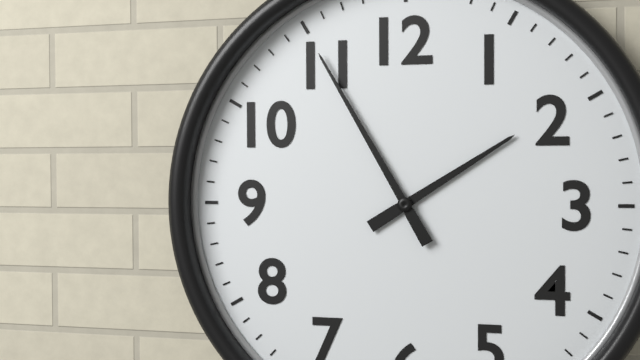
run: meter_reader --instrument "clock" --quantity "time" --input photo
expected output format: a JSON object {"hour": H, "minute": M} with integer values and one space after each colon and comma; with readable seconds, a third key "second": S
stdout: {"hour": 1, "minute": 55}
